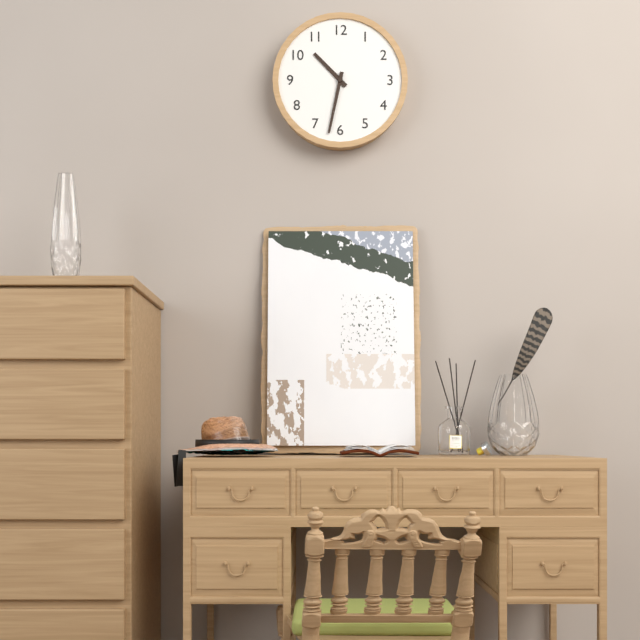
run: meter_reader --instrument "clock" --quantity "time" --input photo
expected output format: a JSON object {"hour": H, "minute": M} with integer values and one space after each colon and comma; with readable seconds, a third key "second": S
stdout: {"hour": 10, "minute": 32}
